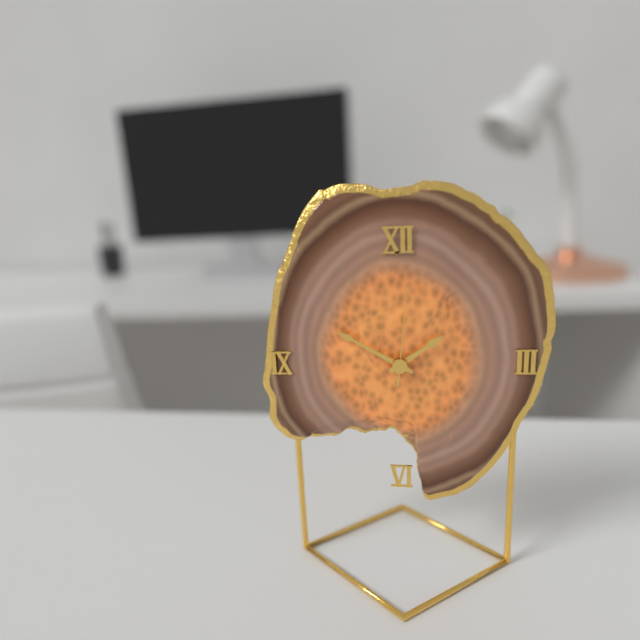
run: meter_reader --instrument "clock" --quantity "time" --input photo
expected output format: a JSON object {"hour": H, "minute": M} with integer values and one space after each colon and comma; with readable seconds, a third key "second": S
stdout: {"hour": 1, "minute": 50, "second": 1}
